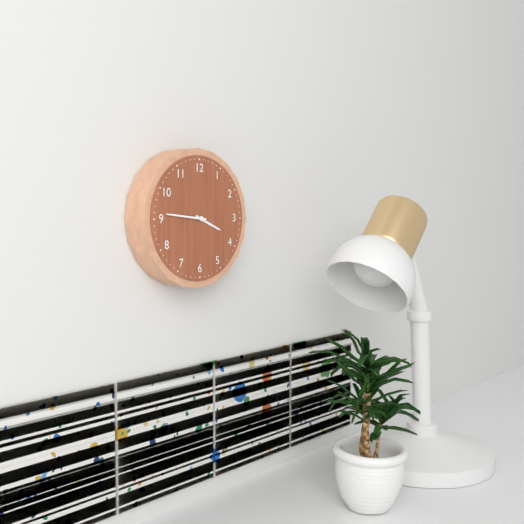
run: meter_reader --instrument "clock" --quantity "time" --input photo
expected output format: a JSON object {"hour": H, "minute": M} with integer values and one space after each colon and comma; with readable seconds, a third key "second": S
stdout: {"hour": 3, "minute": 46}
